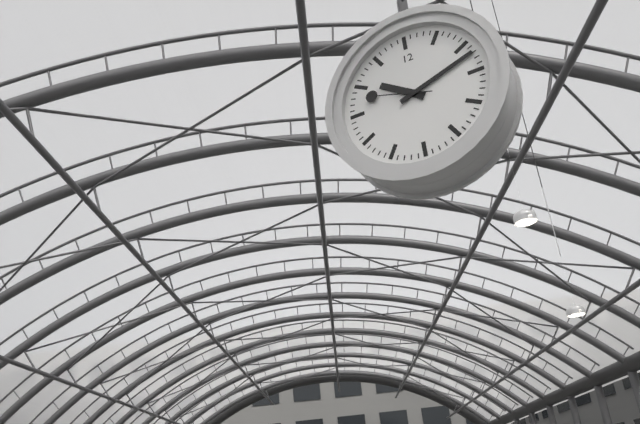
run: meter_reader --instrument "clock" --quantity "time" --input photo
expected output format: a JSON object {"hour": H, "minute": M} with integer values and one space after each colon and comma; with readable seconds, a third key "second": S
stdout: {"hour": 10, "minute": 12, "second": 48}
